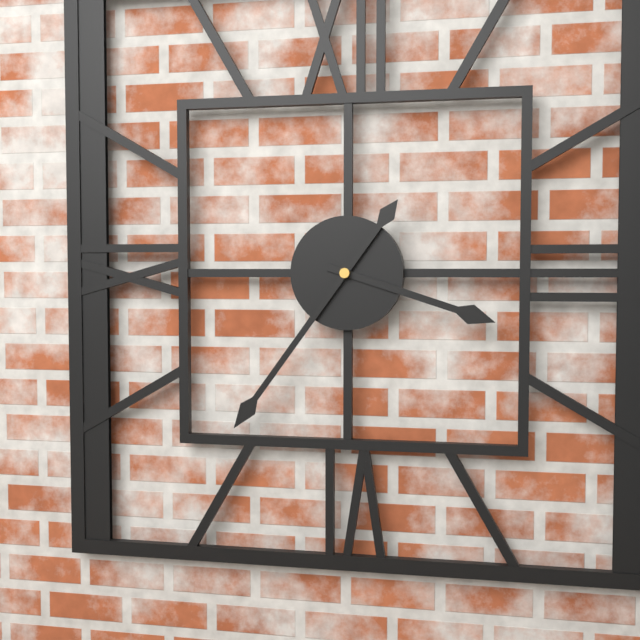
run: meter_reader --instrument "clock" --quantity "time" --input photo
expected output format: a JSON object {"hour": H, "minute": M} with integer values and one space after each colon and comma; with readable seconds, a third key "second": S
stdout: {"hour": 3, "minute": 36}
